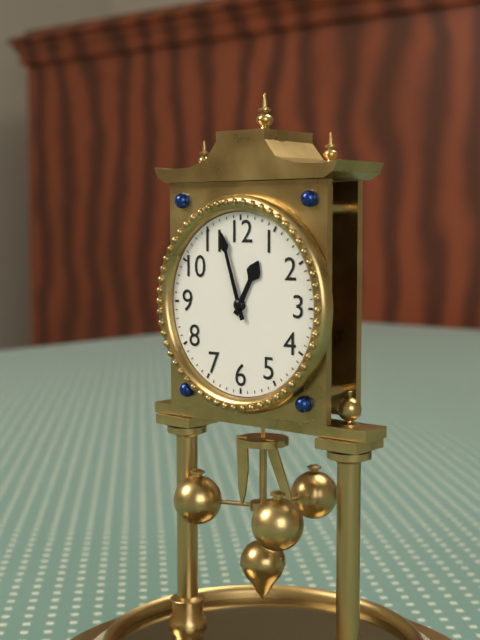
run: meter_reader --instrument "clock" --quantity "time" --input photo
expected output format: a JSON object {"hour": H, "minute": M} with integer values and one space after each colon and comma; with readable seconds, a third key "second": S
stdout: {"hour": 12, "minute": 57}
